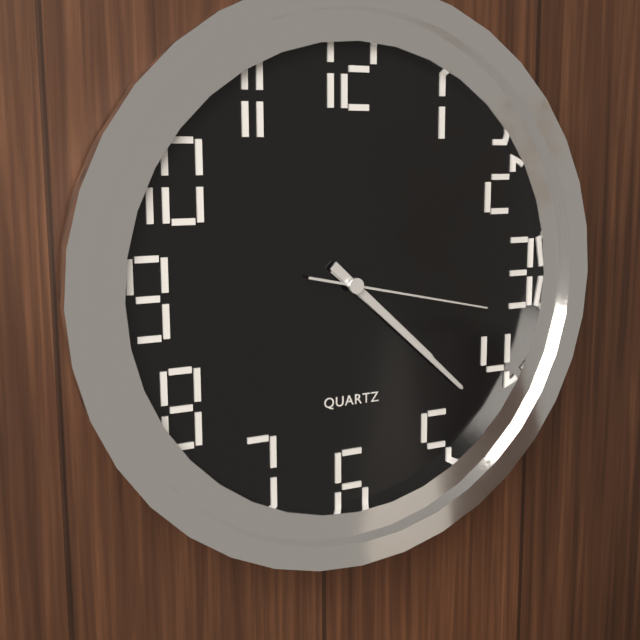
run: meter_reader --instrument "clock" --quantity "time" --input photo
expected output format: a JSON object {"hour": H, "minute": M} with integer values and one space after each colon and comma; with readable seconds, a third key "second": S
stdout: {"hour": 4, "minute": 22, "second": 17}
